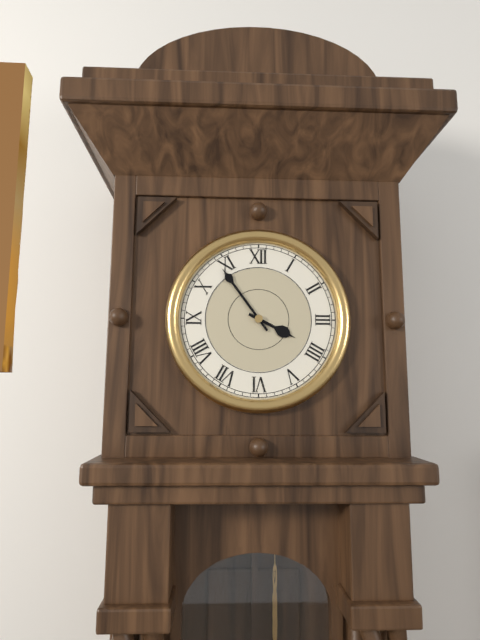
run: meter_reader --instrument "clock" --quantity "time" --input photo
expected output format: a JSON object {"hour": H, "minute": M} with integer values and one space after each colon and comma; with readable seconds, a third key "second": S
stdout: {"hour": 3, "minute": 54}
